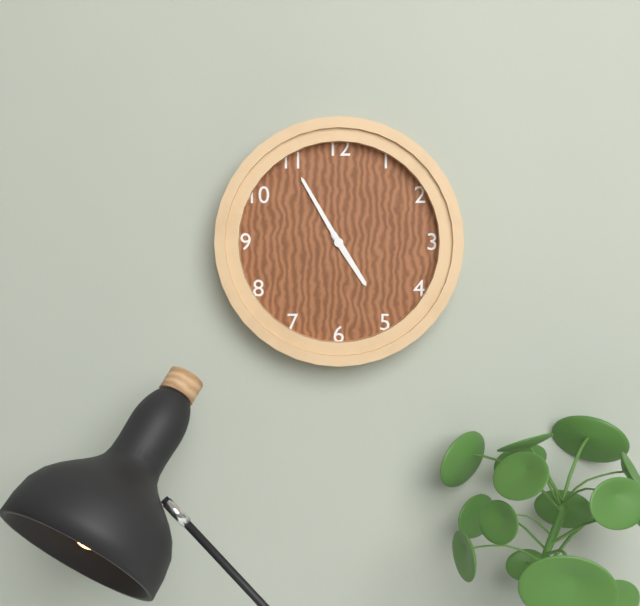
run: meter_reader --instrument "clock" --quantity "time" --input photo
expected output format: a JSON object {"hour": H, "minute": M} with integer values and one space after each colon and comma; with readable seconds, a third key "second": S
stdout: {"hour": 4, "minute": 55}
